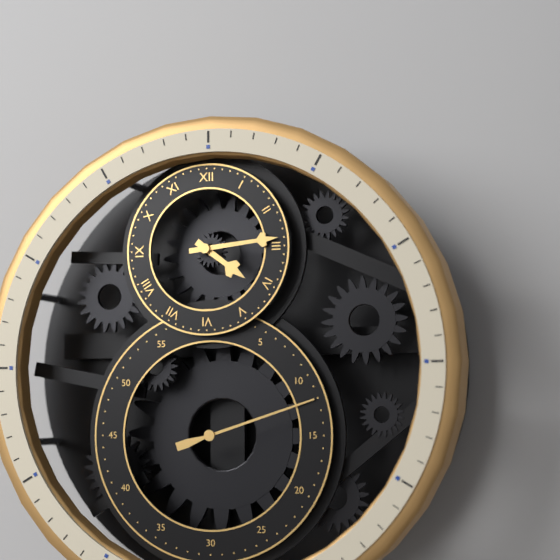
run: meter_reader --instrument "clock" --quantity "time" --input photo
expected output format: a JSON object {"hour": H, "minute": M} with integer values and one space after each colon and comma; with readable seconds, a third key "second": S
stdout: {"hour": 4, "minute": 14, "second": 12}
